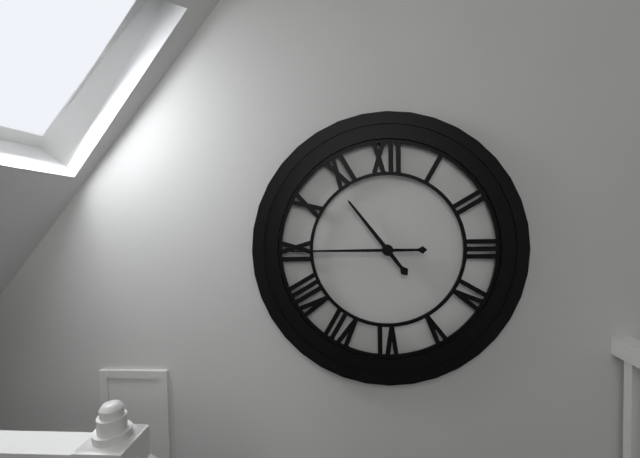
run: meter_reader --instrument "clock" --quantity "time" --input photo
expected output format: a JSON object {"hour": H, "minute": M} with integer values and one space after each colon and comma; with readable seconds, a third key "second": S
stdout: {"hour": 10, "minute": 45}
